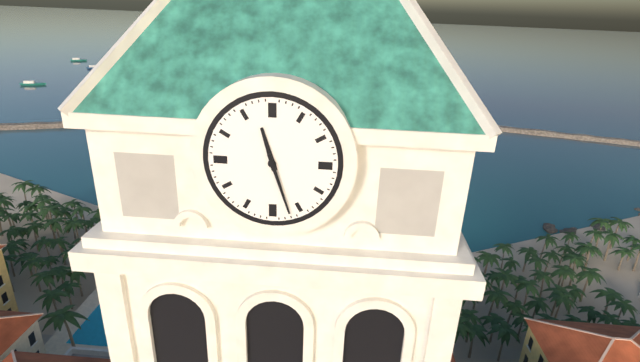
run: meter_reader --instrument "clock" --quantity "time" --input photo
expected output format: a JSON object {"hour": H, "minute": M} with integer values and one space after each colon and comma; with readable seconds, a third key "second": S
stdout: {"hour": 11, "minute": 27}
